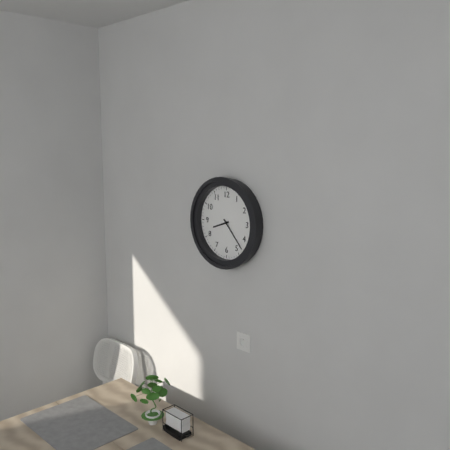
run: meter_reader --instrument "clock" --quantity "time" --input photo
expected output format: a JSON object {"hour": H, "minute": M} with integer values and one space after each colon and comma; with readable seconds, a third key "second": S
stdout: {"hour": 8, "minute": 23}
